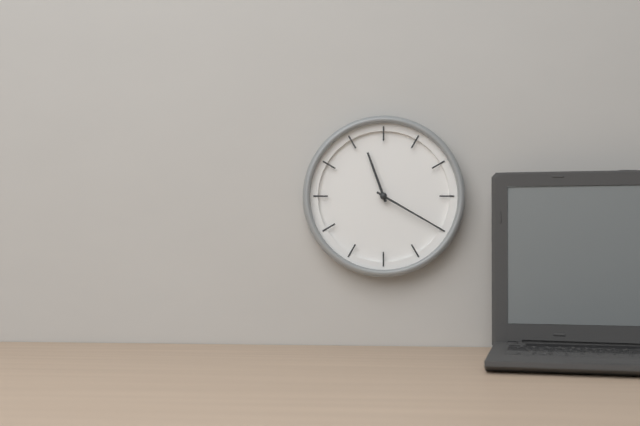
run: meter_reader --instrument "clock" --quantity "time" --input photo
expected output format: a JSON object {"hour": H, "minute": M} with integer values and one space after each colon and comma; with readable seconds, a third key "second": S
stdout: {"hour": 11, "minute": 20}
